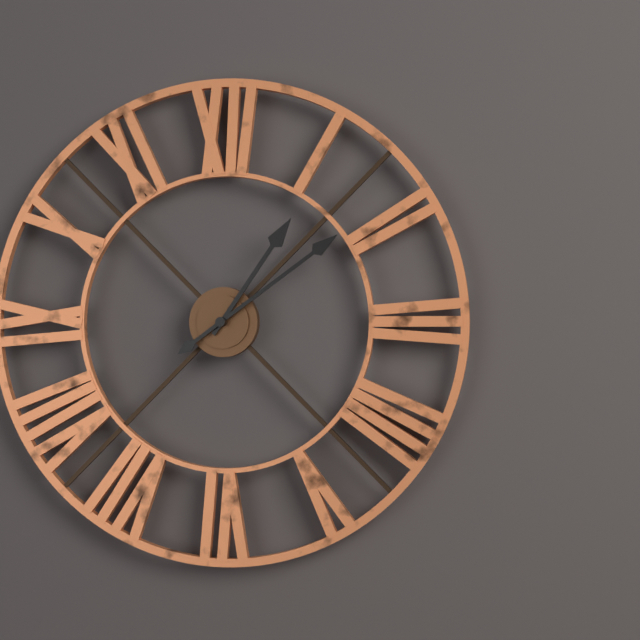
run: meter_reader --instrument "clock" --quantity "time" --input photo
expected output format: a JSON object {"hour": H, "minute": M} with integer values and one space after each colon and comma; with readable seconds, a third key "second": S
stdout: {"hour": 1, "minute": 9}
